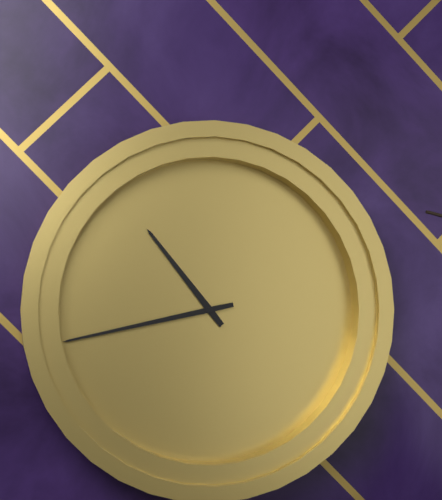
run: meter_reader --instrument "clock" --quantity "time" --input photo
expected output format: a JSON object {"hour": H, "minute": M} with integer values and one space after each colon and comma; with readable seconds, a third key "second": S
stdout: {"hour": 10, "minute": 43}
